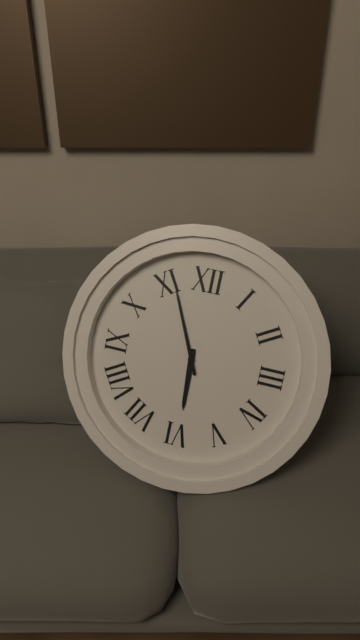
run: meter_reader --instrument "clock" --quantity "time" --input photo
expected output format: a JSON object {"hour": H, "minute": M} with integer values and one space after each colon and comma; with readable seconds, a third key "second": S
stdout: {"hour": 5, "minute": 56}
